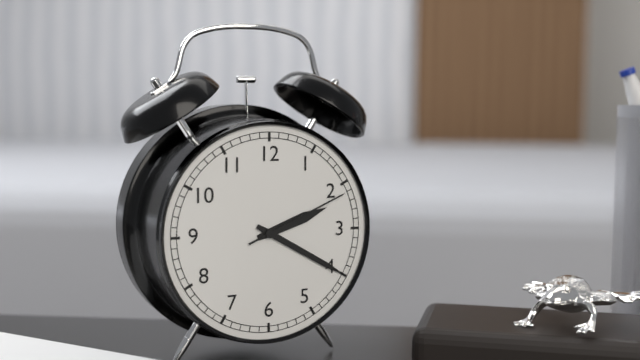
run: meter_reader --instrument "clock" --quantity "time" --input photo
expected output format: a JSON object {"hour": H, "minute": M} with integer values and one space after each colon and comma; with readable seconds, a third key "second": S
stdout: {"hour": 2, "minute": 20, "second": 11}
